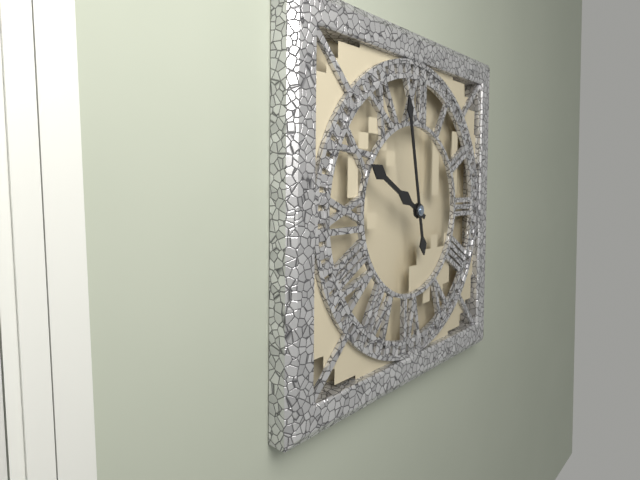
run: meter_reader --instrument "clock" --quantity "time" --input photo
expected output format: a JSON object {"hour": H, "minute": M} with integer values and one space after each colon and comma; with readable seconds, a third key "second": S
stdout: {"hour": 9, "minute": 58}
